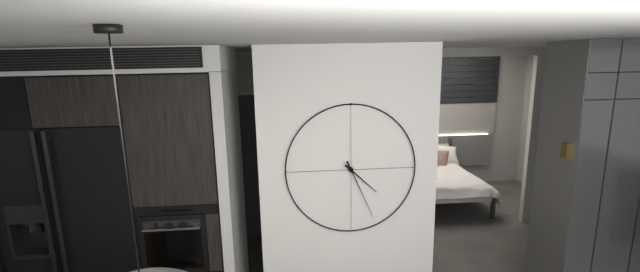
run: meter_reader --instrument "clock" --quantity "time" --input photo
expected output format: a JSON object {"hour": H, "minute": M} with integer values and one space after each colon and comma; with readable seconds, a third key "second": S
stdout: {"hour": 4, "minute": 26}
